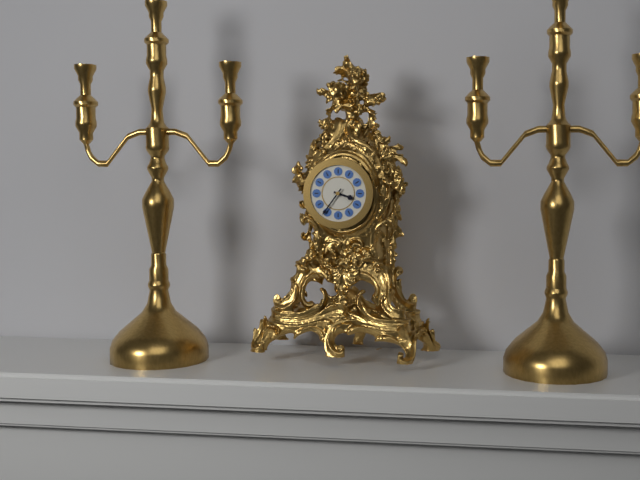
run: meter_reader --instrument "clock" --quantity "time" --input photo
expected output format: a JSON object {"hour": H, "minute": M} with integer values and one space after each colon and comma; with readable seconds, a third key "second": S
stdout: {"hour": 3, "minute": 36}
